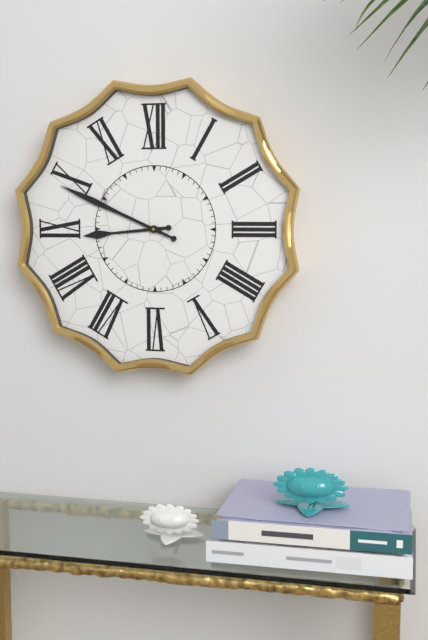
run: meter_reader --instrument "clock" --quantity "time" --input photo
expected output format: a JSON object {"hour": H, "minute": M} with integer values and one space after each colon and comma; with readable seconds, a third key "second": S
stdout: {"hour": 8, "minute": 49}
